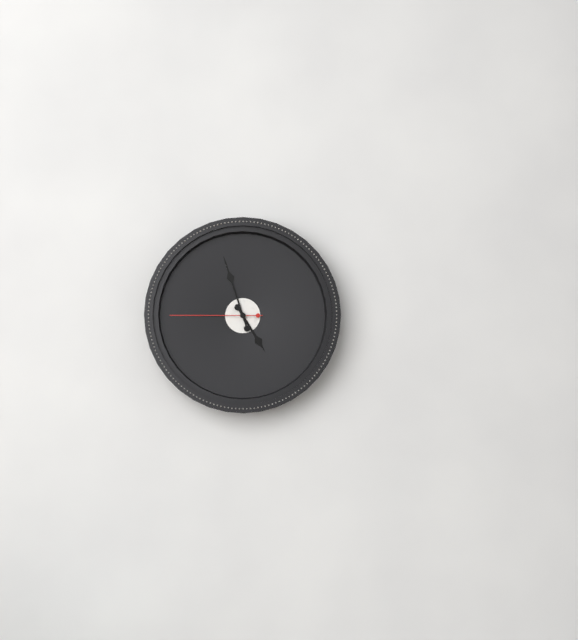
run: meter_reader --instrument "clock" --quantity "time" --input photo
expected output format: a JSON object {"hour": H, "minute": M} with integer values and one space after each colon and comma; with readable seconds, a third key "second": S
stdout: {"hour": 4, "minute": 57, "second": 45}
